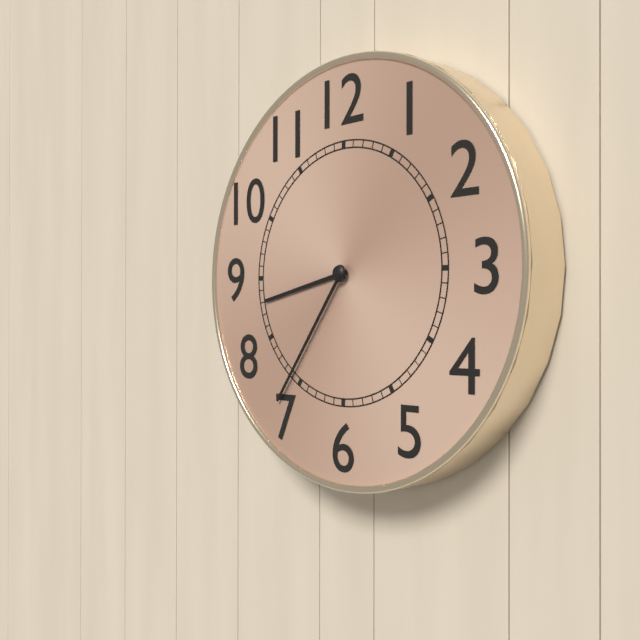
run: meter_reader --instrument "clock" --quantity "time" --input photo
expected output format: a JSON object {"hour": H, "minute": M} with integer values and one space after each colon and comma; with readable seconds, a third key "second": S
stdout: {"hour": 8, "minute": 36}
